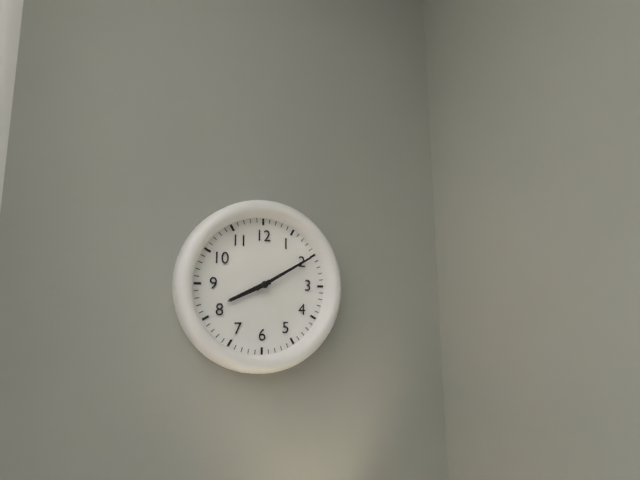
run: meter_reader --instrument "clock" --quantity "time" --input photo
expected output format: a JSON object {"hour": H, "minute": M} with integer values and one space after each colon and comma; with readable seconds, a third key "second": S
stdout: {"hour": 8, "minute": 10}
